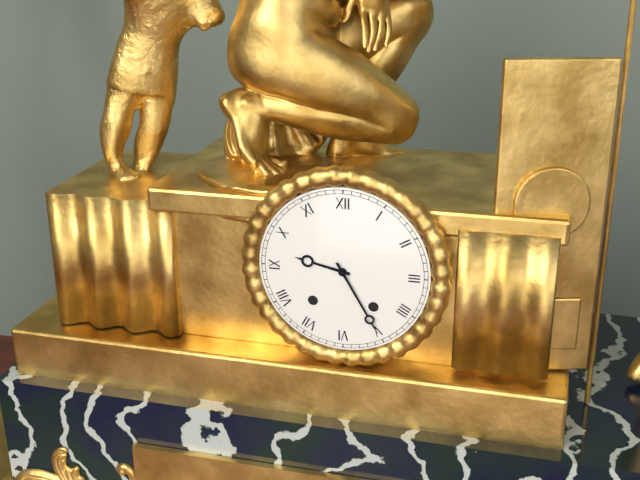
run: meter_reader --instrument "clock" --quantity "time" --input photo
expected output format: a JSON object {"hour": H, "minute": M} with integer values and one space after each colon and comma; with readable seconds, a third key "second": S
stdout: {"hour": 9, "minute": 25}
